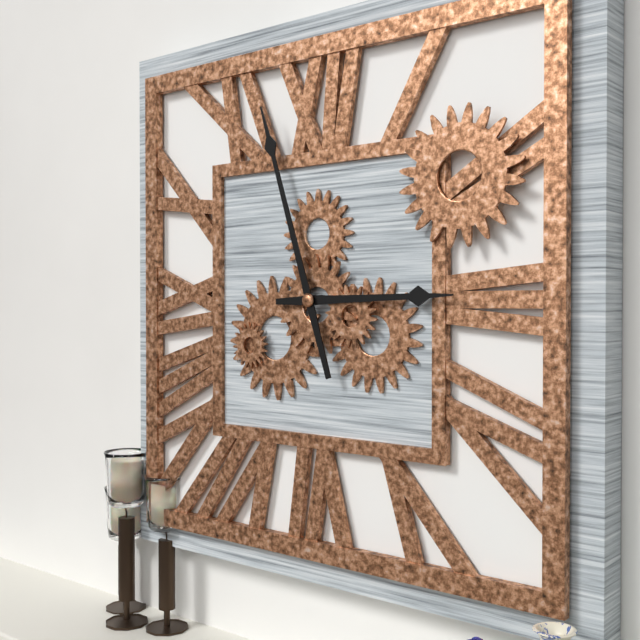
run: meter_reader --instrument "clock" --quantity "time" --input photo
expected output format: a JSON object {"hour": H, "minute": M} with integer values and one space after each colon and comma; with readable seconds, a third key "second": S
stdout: {"hour": 2, "minute": 57}
